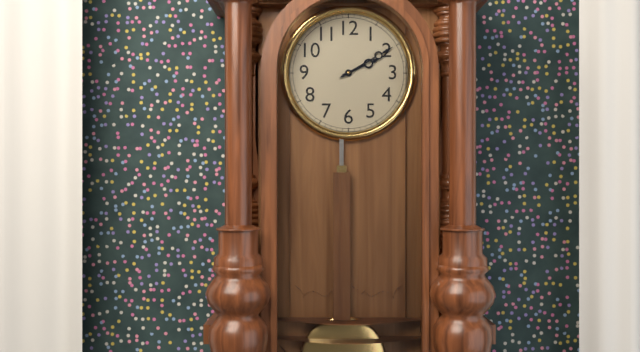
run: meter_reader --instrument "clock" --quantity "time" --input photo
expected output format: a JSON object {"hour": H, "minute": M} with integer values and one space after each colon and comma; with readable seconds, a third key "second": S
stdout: {"hour": 2, "minute": 10}
